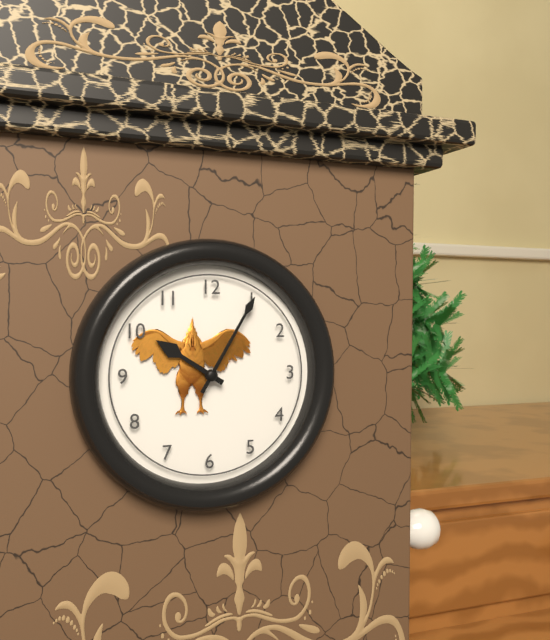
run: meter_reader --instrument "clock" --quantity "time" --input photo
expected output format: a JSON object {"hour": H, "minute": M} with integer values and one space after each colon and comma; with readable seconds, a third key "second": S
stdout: {"hour": 10, "minute": 5}
